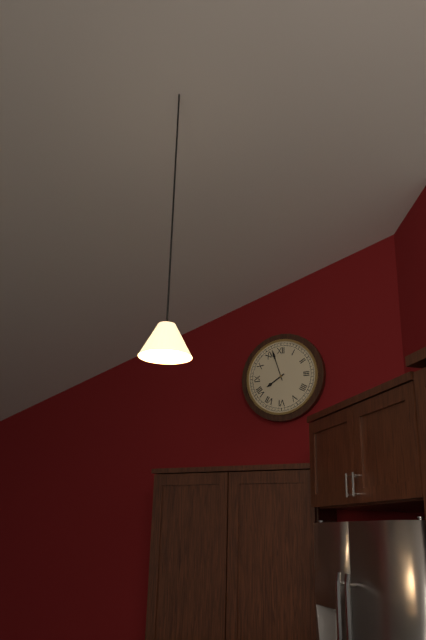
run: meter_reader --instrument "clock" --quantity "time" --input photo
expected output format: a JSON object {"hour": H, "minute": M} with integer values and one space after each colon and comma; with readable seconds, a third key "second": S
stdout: {"hour": 7, "minute": 57}
